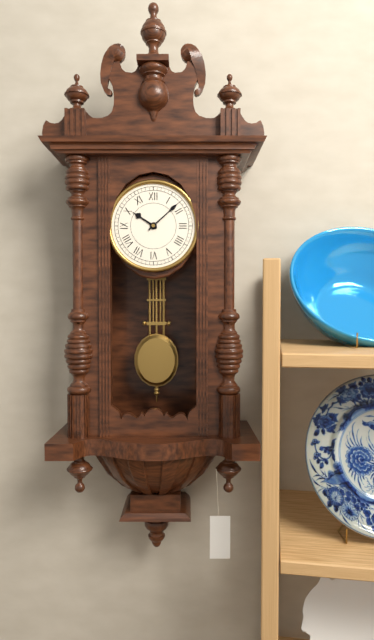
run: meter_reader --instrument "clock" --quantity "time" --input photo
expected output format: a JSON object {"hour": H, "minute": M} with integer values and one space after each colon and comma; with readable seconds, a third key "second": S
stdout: {"hour": 10, "minute": 8}
